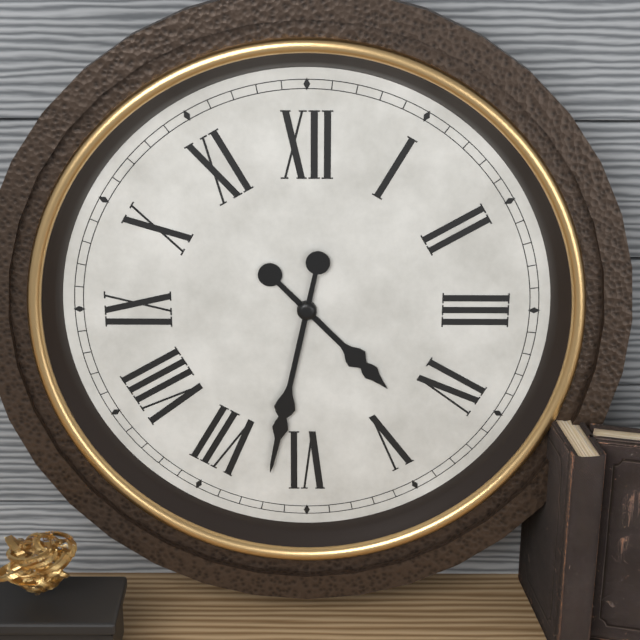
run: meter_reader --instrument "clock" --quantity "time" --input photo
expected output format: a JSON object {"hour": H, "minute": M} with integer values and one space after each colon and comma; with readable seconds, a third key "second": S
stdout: {"hour": 4, "minute": 32}
